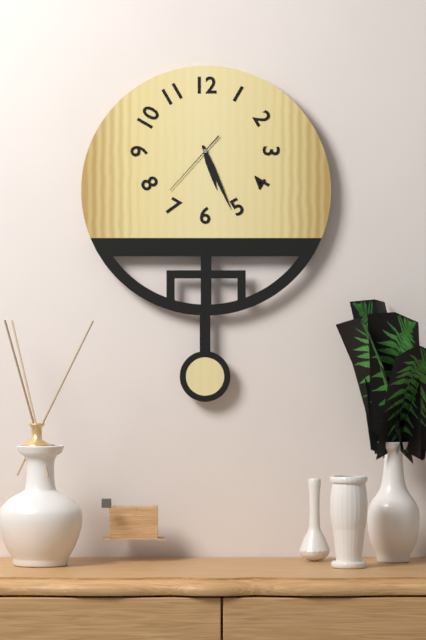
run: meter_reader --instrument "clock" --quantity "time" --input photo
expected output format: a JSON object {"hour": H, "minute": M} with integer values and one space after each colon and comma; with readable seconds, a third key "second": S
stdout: {"hour": 5, "minute": 26, "second": 37}
